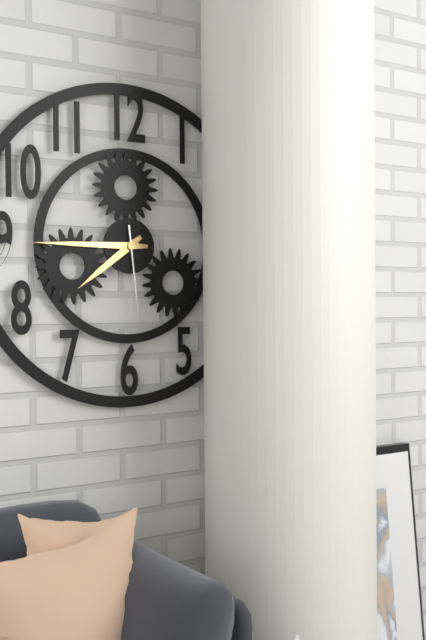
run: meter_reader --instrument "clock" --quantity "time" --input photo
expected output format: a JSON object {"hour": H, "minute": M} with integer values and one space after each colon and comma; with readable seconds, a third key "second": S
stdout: {"hour": 7, "minute": 45, "second": 29}
